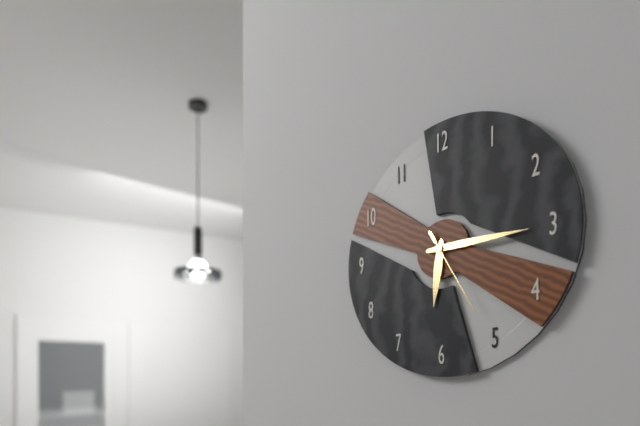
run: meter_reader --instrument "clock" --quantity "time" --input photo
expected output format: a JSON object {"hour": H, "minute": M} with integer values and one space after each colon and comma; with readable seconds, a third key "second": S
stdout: {"hour": 6, "minute": 15, "second": 25}
